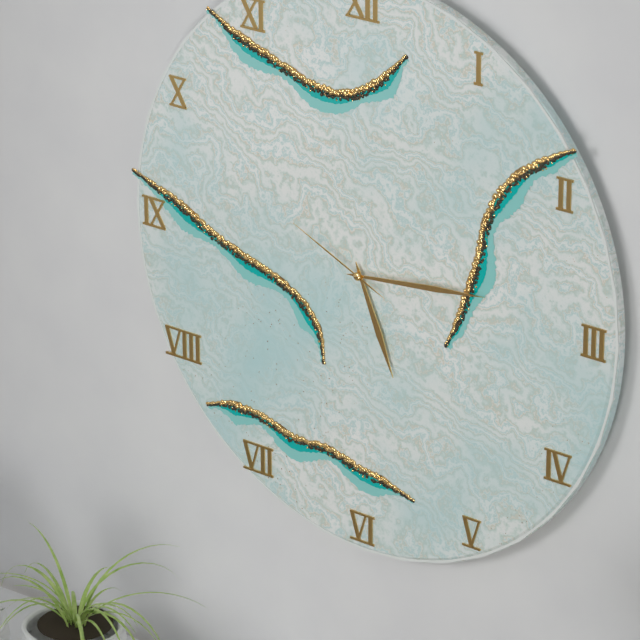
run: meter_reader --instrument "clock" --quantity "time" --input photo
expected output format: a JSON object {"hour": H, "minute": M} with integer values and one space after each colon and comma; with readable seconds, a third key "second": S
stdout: {"hour": 5, "minute": 14, "second": 49}
